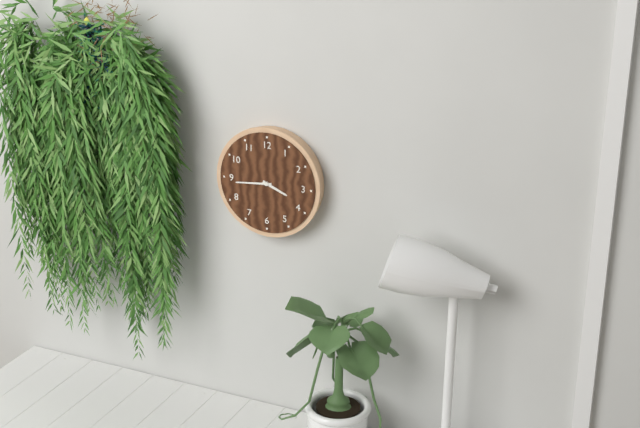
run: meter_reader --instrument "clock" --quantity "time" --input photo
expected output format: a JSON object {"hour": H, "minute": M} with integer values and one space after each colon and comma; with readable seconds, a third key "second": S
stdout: {"hour": 3, "minute": 44}
